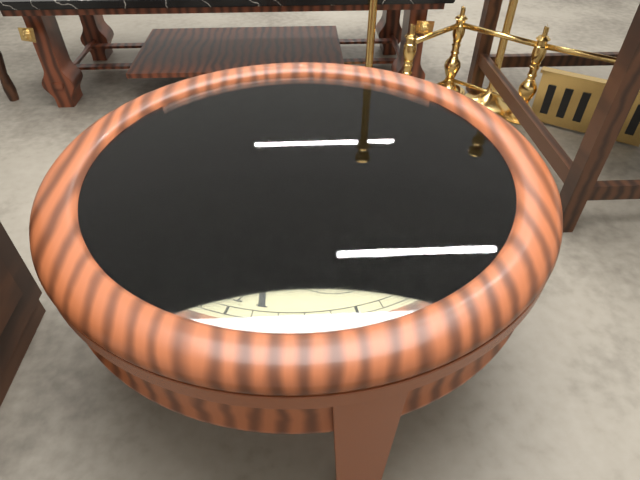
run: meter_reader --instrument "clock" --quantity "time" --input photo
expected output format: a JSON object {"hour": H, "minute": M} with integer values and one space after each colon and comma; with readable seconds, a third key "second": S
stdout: {"hour": 4, "minute": 0, "second": 51}
